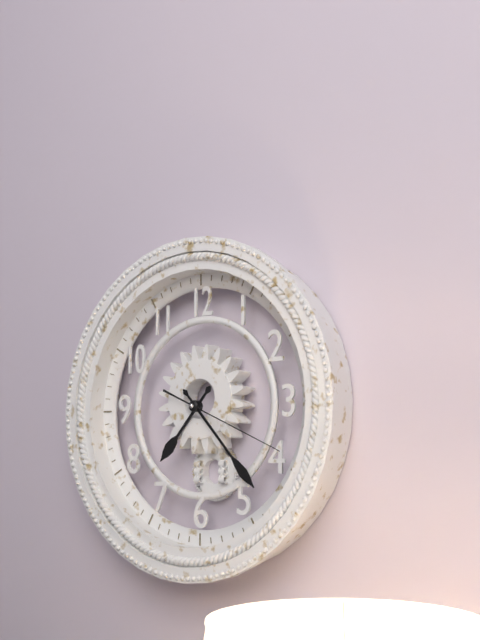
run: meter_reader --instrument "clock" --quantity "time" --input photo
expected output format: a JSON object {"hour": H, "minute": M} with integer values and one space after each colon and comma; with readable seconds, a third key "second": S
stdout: {"hour": 7, "minute": 23, "second": 19}
